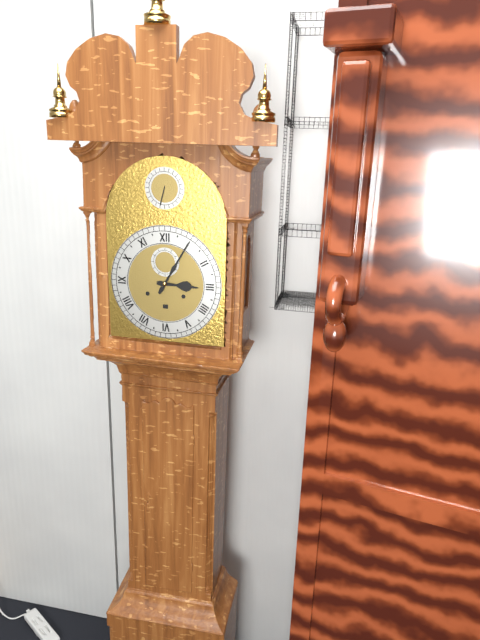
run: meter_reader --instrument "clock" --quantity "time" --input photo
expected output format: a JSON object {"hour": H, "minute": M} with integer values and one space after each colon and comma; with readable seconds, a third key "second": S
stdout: {"hour": 3, "minute": 5}
